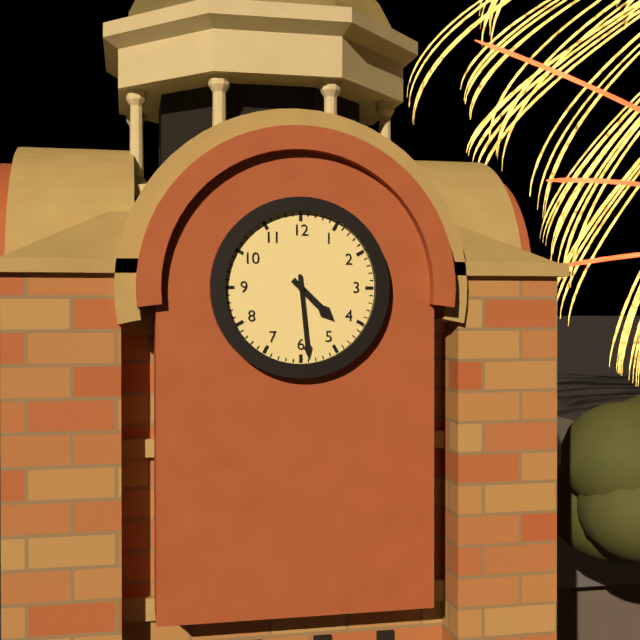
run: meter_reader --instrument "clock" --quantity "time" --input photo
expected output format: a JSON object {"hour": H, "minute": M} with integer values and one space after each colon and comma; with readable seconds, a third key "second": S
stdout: {"hour": 4, "minute": 29}
